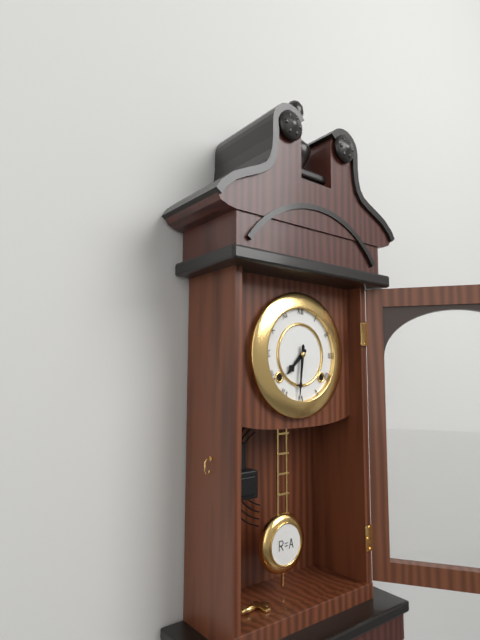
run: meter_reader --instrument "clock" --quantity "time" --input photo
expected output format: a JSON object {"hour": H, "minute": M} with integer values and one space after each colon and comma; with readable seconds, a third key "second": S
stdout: {"hour": 7, "minute": 31}
